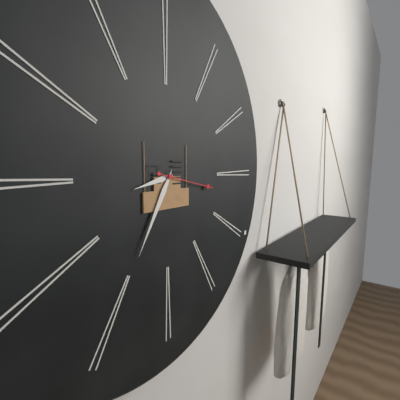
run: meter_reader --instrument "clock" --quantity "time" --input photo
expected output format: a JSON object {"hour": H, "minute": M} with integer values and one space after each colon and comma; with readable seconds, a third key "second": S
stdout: {"hour": 8, "minute": 35, "second": 17}
